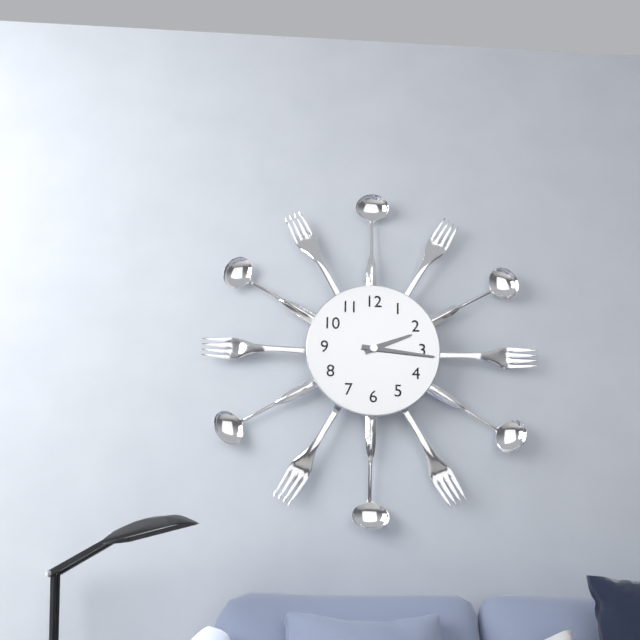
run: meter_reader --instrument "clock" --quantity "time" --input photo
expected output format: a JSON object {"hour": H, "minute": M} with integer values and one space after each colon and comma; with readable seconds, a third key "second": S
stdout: {"hour": 2, "minute": 16}
